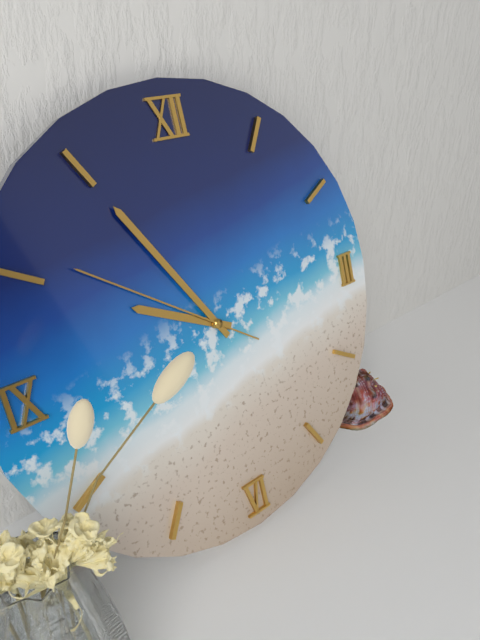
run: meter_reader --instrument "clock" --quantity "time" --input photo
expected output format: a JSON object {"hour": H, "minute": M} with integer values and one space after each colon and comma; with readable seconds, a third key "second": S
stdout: {"hour": 9, "minute": 55, "second": 51}
